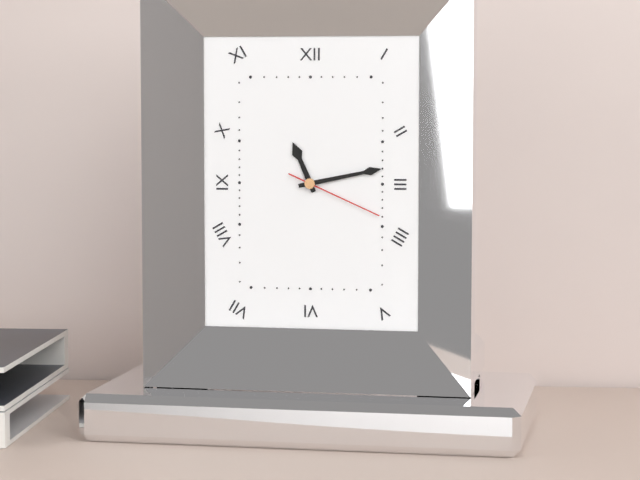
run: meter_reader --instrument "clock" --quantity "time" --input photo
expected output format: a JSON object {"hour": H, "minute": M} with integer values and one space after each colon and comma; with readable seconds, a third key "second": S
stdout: {"hour": 11, "minute": 13, "second": 19}
